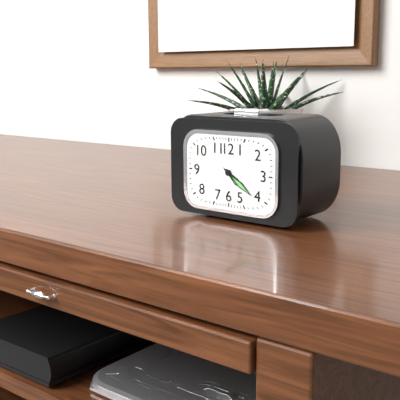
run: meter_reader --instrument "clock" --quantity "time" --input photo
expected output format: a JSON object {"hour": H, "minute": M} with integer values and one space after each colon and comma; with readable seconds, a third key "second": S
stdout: {"hour": 4, "minute": 21}
